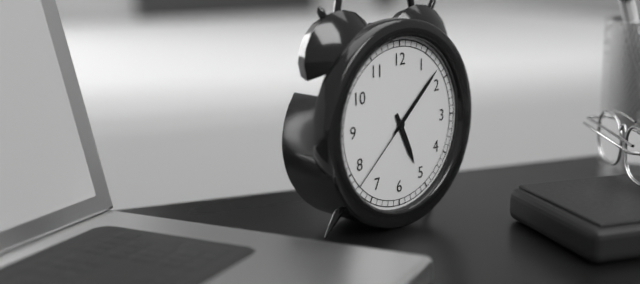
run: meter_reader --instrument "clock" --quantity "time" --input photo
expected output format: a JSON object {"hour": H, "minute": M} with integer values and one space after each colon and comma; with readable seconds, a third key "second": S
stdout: {"hour": 5, "minute": 8, "second": 38}
